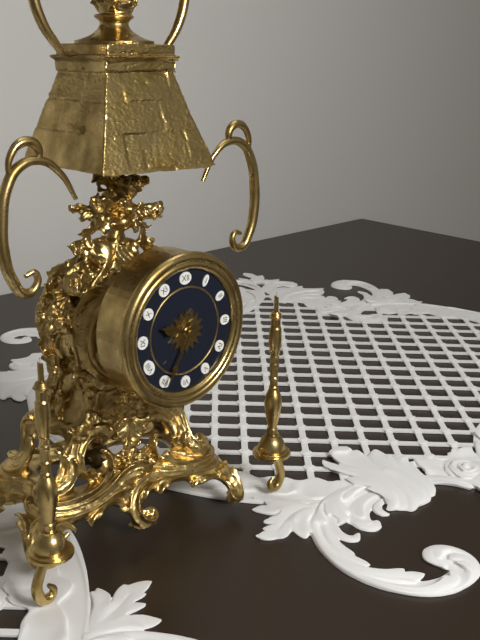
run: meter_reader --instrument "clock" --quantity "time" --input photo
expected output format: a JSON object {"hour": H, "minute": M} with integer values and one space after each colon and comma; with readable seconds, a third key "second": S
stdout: {"hour": 9, "minute": 35}
